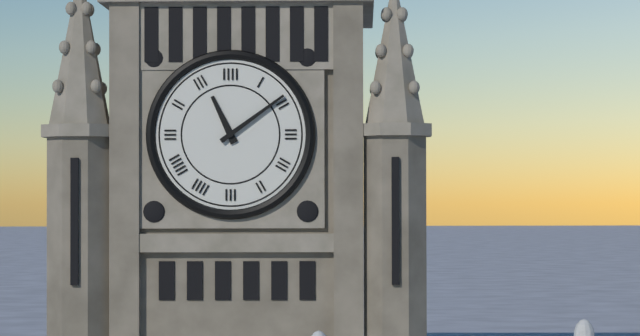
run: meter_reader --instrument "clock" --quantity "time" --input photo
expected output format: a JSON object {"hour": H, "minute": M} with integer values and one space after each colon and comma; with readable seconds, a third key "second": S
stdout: {"hour": 11, "minute": 9}
